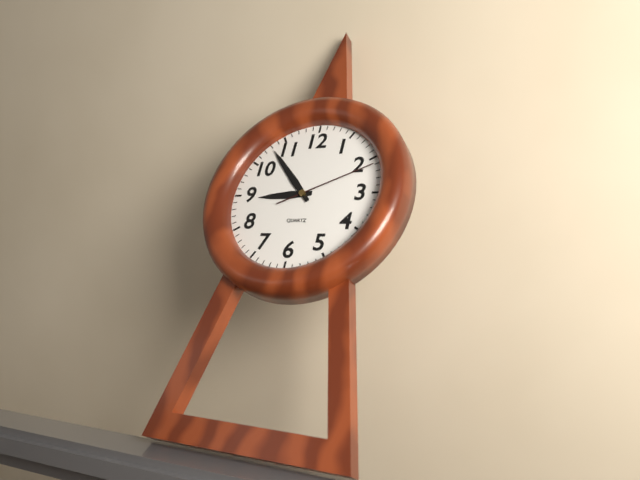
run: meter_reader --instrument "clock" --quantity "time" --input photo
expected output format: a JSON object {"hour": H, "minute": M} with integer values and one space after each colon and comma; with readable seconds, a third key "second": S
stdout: {"hour": 8, "minute": 53, "second": 11}
